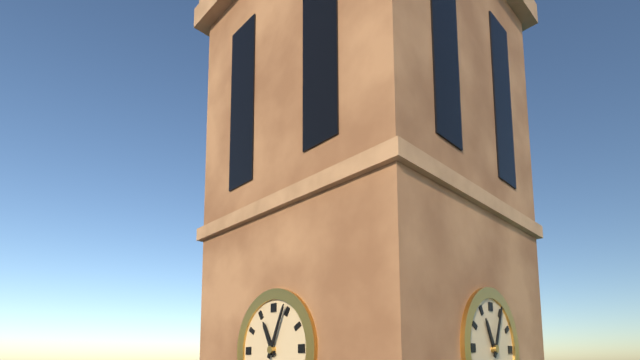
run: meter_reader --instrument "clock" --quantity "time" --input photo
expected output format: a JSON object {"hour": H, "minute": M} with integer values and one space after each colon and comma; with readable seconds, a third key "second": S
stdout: {"hour": 11, "minute": 4}
